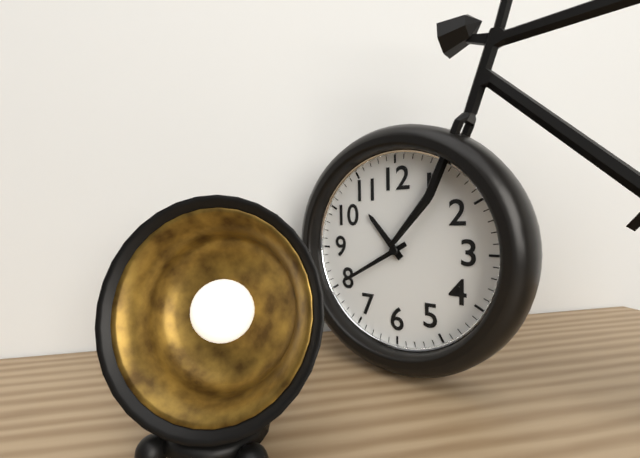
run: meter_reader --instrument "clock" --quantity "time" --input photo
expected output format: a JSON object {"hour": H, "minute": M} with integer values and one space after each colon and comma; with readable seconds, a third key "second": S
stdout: {"hour": 10, "minute": 40}
